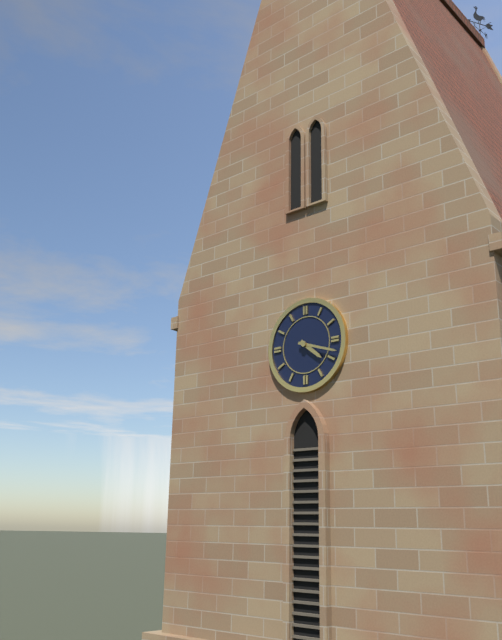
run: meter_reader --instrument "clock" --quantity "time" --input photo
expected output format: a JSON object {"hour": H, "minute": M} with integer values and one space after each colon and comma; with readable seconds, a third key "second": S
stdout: {"hour": 4, "minute": 18}
